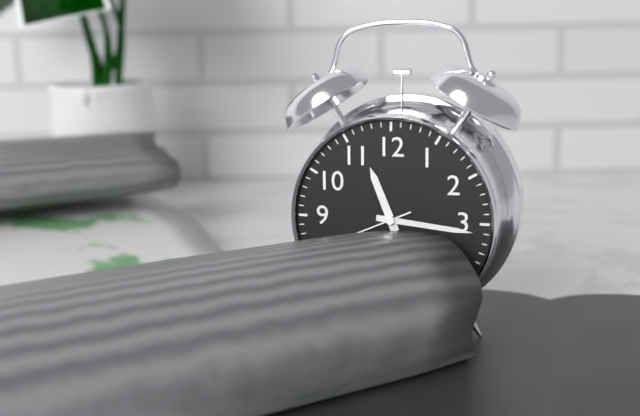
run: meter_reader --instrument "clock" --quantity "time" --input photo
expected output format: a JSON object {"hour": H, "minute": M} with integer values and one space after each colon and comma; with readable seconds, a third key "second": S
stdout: {"hour": 11, "minute": 16}
